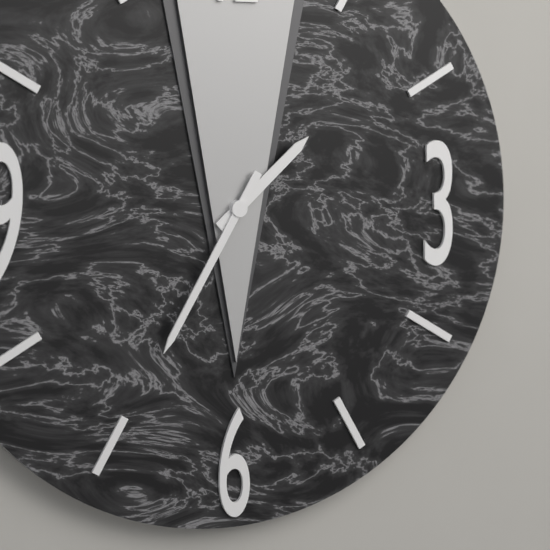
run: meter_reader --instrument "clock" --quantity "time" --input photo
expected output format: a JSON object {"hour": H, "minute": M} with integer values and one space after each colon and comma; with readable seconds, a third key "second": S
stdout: {"hour": 1, "minute": 35}
